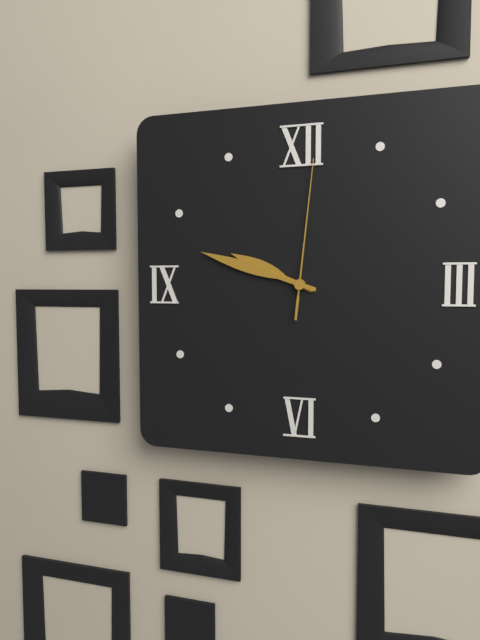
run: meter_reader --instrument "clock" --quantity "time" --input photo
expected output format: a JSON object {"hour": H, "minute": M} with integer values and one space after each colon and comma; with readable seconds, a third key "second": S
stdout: {"hour": 9, "minute": 48, "second": 1}
